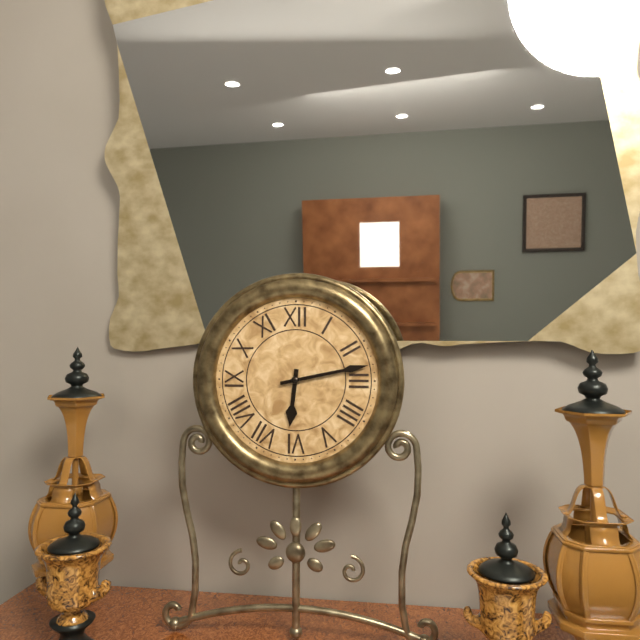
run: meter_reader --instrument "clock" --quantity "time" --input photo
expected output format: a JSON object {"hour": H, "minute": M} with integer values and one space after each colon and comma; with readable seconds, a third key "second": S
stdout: {"hour": 6, "minute": 13}
